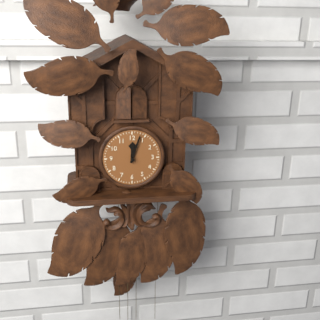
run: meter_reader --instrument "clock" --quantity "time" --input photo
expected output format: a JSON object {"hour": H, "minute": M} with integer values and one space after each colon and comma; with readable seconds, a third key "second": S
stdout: {"hour": 12, "minute": 3}
